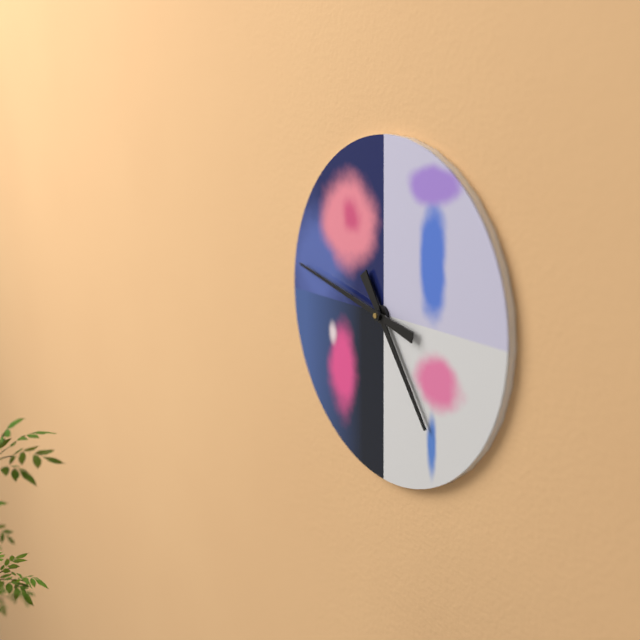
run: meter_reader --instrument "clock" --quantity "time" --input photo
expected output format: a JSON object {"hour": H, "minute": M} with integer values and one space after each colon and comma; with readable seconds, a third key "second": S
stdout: {"hour": 4, "minute": 47}
